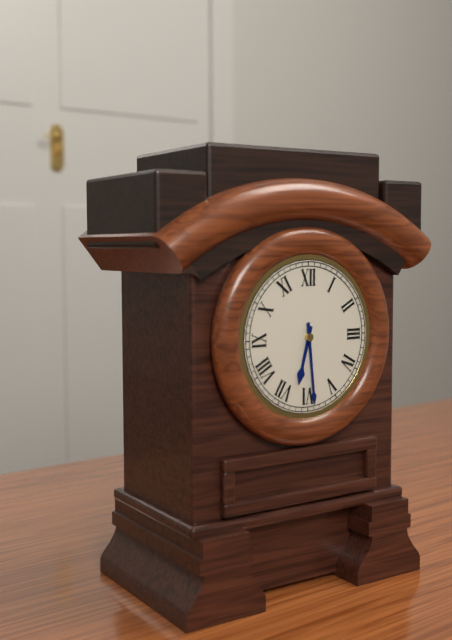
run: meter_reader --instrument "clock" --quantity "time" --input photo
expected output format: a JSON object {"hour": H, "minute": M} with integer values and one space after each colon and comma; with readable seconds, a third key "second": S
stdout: {"hour": 6, "minute": 29}
